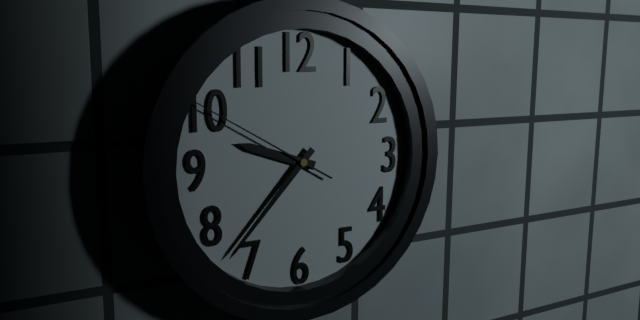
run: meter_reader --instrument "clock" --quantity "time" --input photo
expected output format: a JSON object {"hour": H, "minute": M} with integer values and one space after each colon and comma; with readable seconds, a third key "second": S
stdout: {"hour": 9, "minute": 37, "second": 50}
